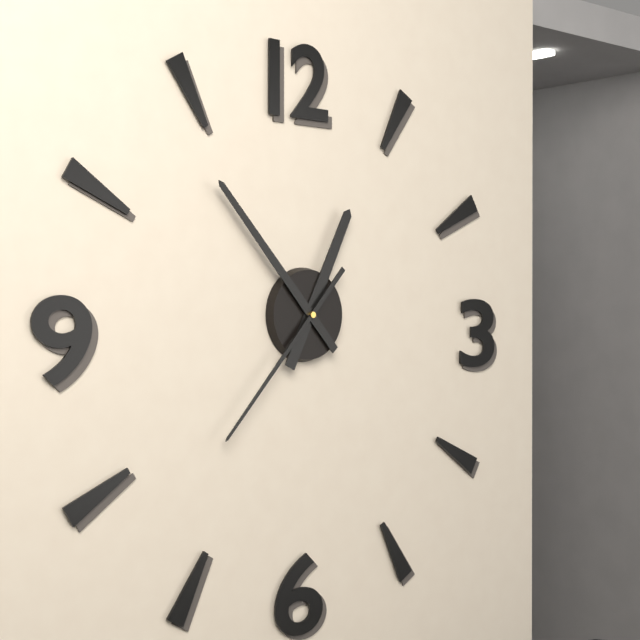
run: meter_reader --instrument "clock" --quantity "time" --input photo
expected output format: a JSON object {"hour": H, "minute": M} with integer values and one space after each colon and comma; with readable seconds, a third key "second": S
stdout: {"hour": 12, "minute": 53, "second": 37}
